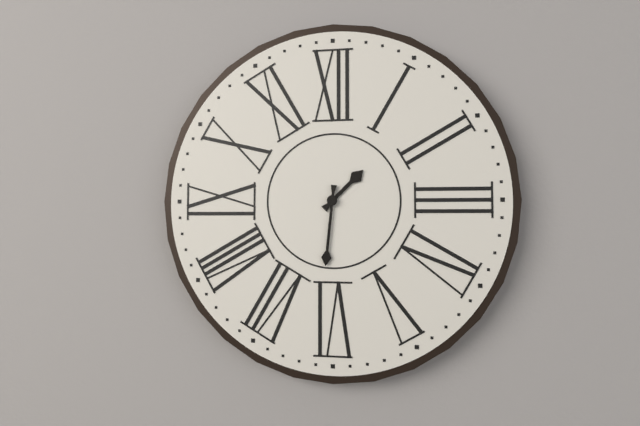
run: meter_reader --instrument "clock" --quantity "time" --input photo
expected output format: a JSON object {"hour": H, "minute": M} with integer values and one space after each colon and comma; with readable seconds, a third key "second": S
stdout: {"hour": 1, "minute": 31}
